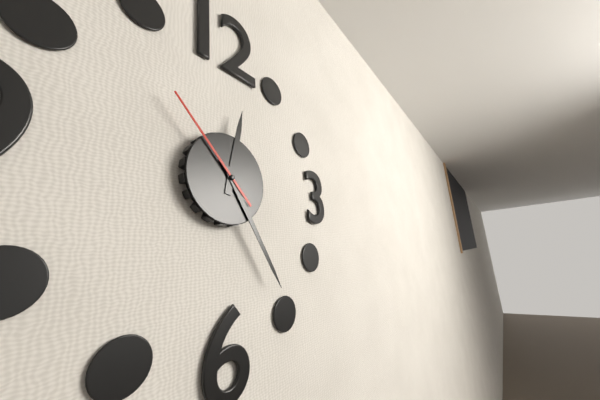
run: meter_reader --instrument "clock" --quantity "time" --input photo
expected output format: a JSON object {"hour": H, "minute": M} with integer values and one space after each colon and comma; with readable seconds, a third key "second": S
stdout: {"hour": 12, "minute": 25, "second": 53}
